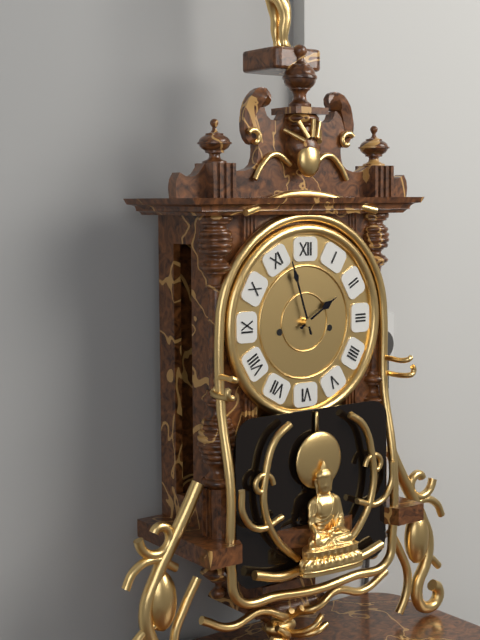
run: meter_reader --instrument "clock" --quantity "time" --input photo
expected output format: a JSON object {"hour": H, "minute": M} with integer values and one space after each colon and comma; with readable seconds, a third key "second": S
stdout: {"hour": 1, "minute": 57}
